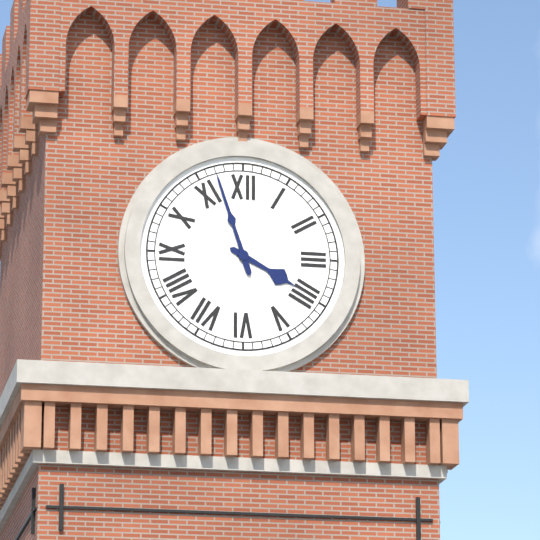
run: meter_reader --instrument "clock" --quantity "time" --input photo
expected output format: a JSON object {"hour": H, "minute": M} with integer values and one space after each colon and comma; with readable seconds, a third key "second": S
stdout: {"hour": 3, "minute": 57}
